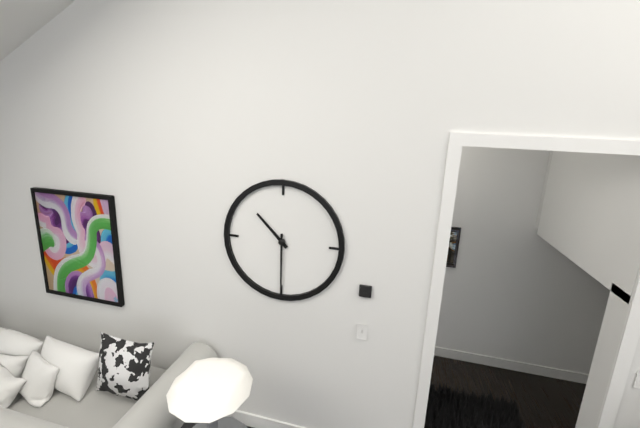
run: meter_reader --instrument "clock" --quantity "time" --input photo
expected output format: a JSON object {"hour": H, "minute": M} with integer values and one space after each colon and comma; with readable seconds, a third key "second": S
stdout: {"hour": 10, "minute": 30}
